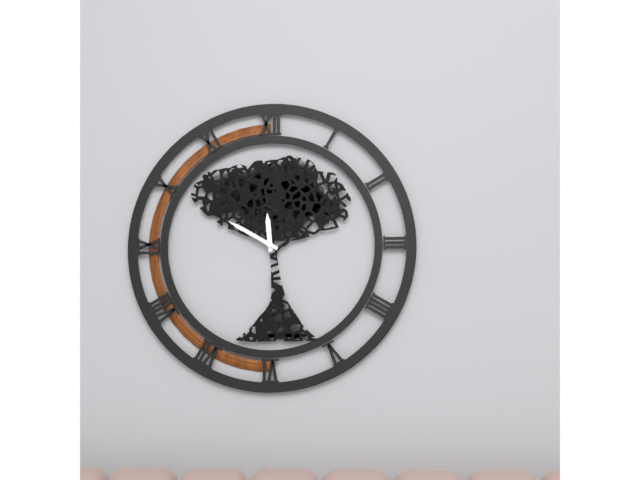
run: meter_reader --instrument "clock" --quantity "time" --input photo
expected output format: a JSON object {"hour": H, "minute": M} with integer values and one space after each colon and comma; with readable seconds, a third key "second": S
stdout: {"hour": 11, "minute": 50}
